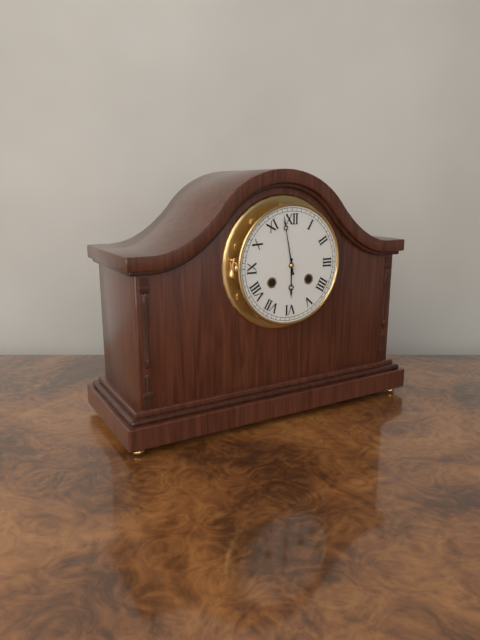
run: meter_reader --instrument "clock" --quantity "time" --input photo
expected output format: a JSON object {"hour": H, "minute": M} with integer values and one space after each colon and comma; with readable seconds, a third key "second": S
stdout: {"hour": 5, "minute": 58}
